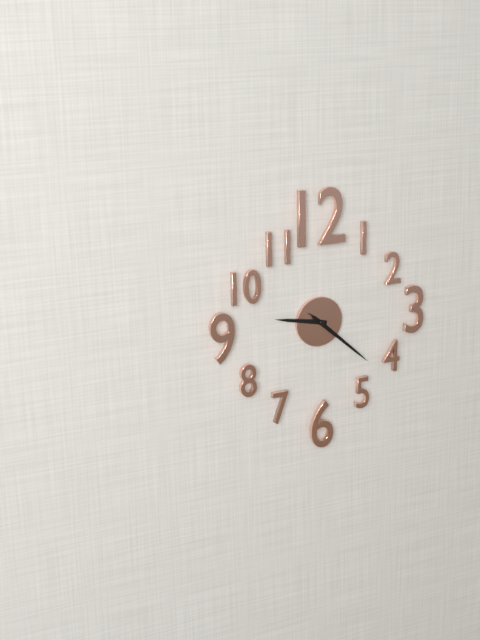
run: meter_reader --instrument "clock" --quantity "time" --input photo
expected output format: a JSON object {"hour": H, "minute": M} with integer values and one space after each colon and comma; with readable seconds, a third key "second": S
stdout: {"hour": 9, "minute": 22, "second": 22}
